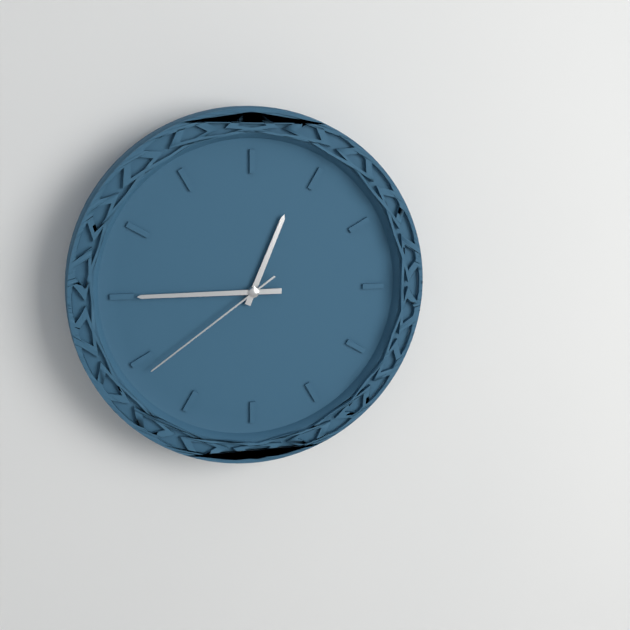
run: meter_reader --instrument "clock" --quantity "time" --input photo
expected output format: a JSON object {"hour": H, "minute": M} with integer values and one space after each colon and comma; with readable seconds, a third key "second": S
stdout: {"hour": 12, "minute": 45, "second": 39}
